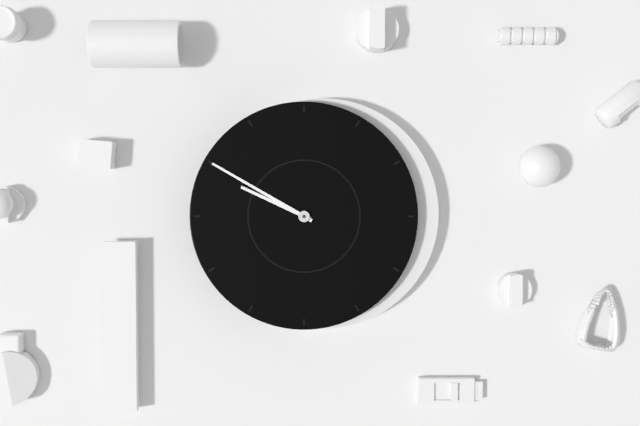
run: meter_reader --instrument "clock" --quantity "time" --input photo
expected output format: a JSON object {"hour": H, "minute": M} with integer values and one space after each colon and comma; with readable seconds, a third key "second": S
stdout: {"hour": 9, "minute": 50}
